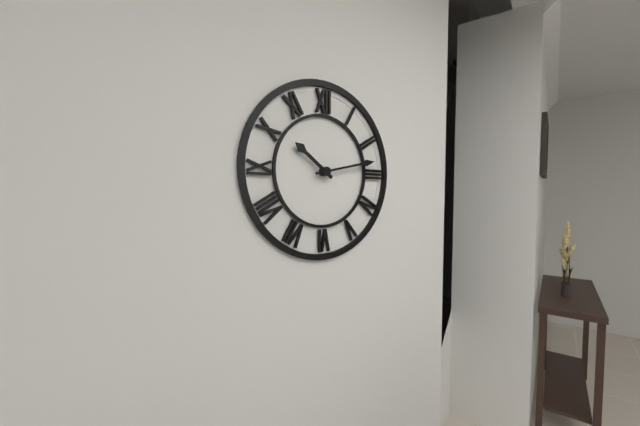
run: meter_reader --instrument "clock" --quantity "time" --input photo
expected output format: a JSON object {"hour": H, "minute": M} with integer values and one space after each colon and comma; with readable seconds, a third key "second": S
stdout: {"hour": 10, "minute": 13}
